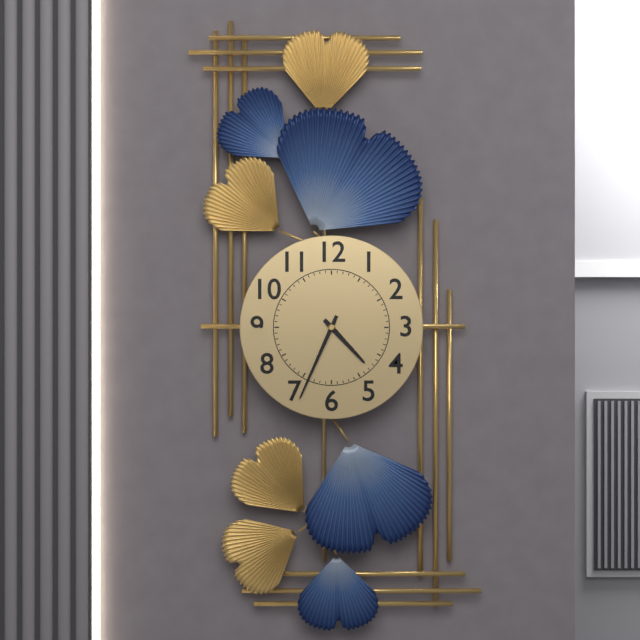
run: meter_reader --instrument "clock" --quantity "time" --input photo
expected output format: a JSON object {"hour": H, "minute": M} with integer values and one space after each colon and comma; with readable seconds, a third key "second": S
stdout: {"hour": 4, "minute": 34}
